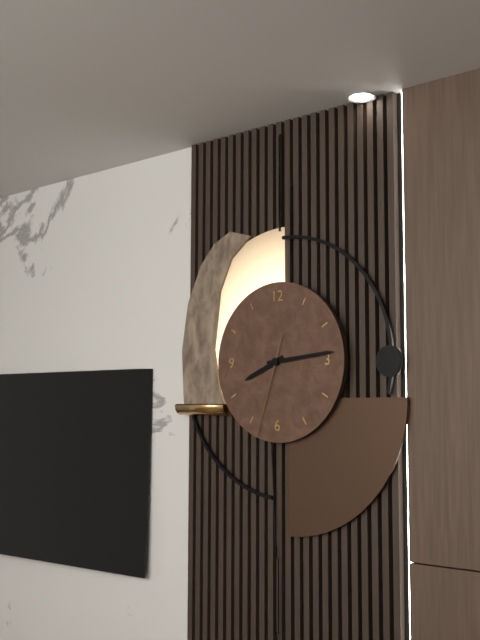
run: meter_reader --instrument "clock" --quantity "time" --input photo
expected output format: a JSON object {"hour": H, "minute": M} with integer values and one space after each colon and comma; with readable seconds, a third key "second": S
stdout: {"hour": 8, "minute": 14, "second": 33}
